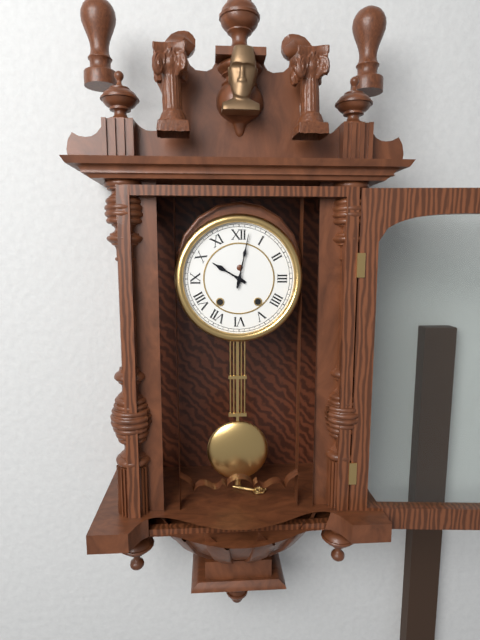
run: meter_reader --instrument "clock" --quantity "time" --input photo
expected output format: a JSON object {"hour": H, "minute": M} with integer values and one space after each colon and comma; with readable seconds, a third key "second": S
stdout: {"hour": 10, "minute": 2}
